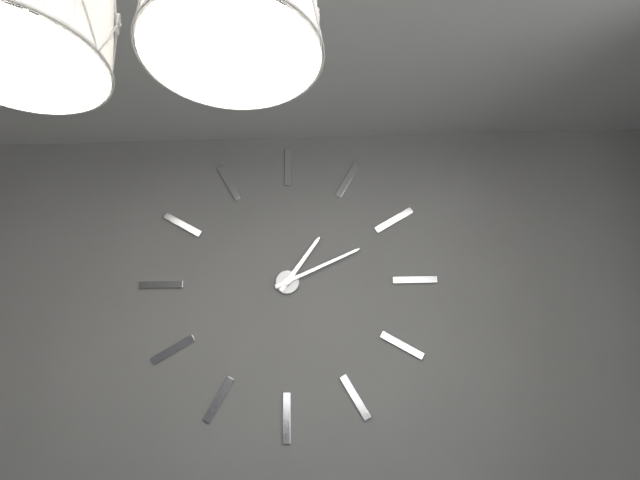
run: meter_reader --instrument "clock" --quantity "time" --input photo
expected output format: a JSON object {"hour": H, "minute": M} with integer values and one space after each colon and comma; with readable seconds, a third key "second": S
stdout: {"hour": 1, "minute": 11}
